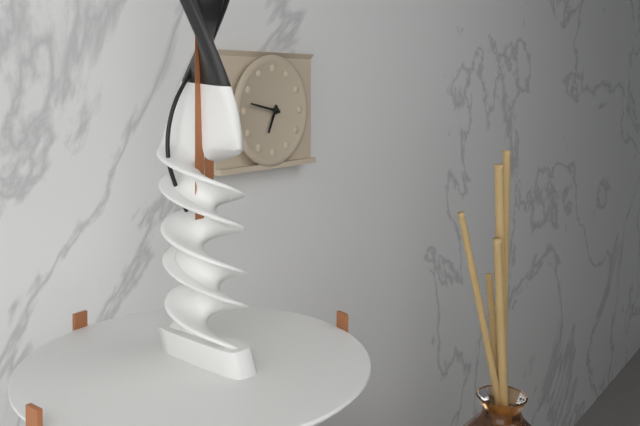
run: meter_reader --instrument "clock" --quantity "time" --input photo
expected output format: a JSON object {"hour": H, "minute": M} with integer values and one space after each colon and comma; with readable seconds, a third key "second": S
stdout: {"hour": 6, "minute": 47}
